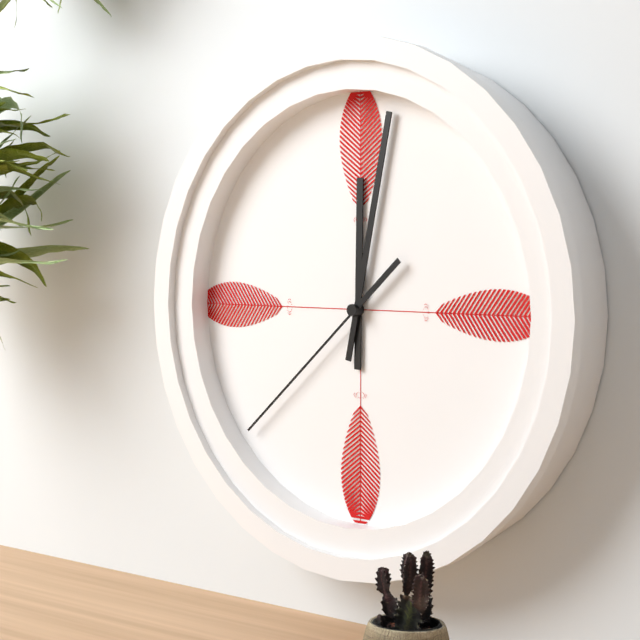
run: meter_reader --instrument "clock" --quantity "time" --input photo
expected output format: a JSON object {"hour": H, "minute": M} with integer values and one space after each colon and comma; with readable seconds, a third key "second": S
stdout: {"hour": 12, "minute": 2, "second": 38}
